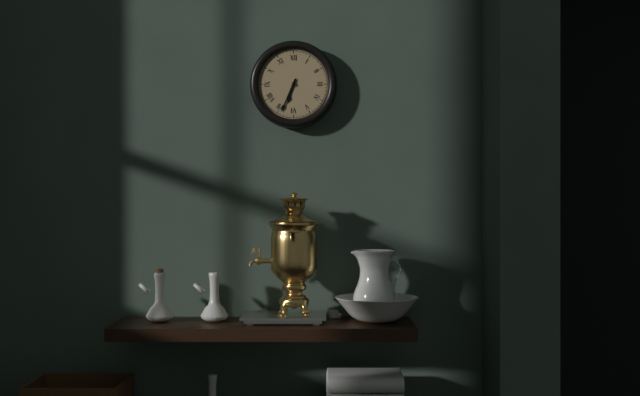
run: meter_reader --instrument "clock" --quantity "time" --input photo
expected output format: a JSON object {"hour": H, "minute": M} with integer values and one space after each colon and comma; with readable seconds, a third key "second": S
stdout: {"hour": 6, "minute": 34}
